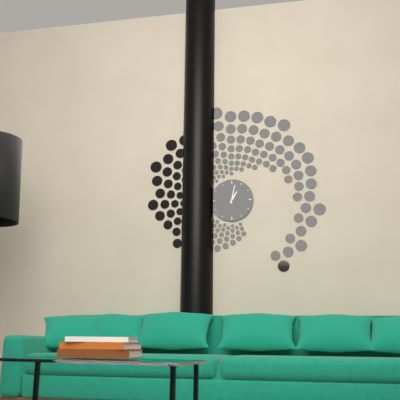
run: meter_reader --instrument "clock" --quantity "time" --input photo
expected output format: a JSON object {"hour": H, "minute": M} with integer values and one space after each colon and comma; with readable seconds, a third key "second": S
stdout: {"hour": 1, "minute": 2}
